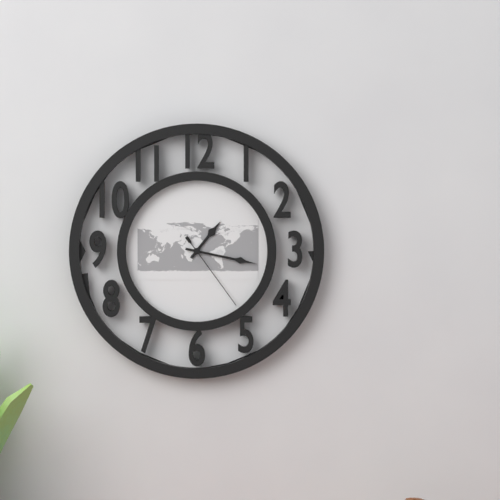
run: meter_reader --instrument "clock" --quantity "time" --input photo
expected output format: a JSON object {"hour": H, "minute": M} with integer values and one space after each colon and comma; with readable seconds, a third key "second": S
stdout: {"hour": 1, "minute": 17, "second": 24}
